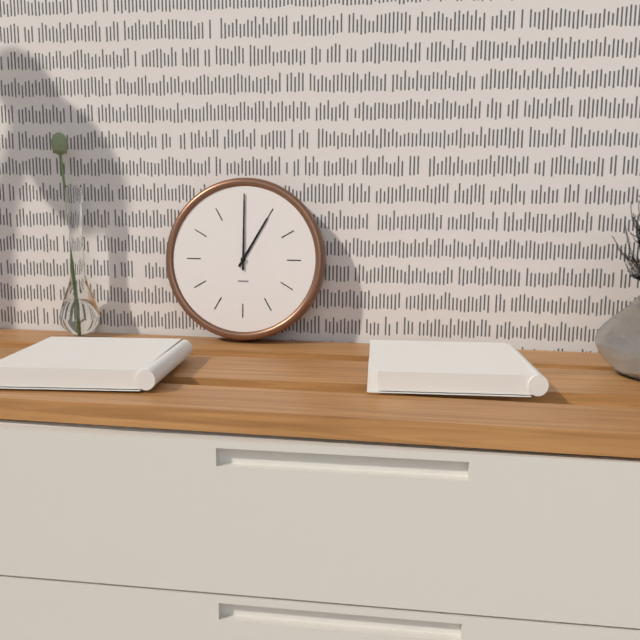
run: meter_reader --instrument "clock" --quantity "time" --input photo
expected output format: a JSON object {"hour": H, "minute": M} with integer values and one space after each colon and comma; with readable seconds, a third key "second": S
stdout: {"hour": 1, "minute": 0}
